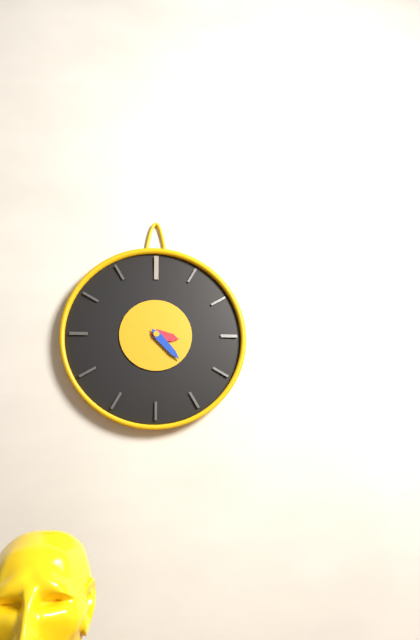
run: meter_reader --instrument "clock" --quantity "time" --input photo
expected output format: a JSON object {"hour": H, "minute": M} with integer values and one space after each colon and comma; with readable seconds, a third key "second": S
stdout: {"hour": 3, "minute": 23}
